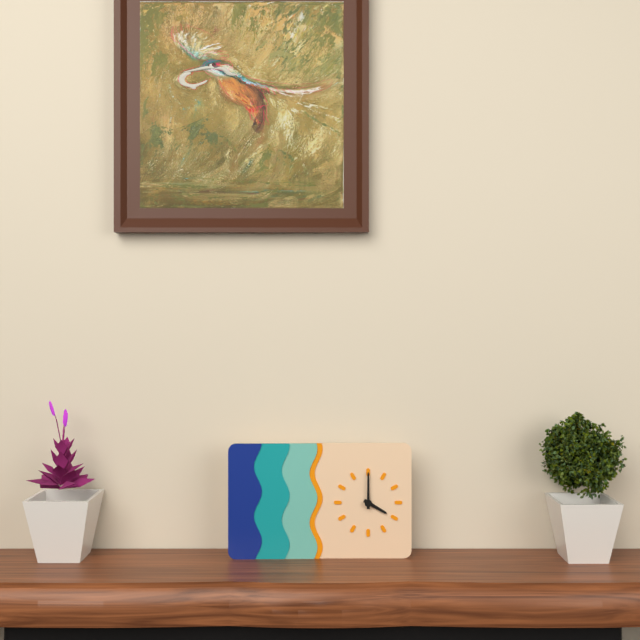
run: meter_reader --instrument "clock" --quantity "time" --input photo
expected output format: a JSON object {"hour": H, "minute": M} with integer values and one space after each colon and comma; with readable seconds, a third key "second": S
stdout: {"hour": 4, "minute": 0}
